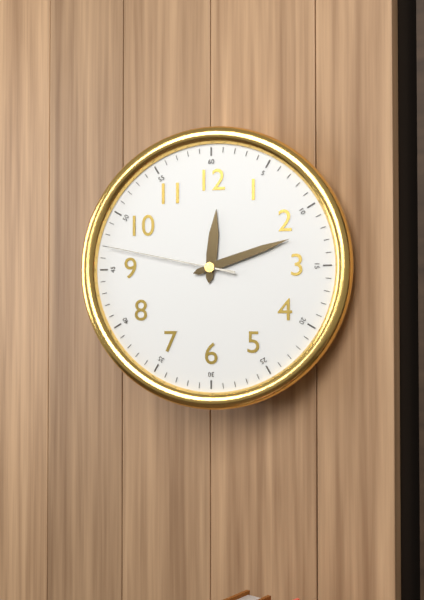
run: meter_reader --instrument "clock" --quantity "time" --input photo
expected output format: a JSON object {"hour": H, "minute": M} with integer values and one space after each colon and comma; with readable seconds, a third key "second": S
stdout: {"hour": 12, "minute": 12, "second": 47}
